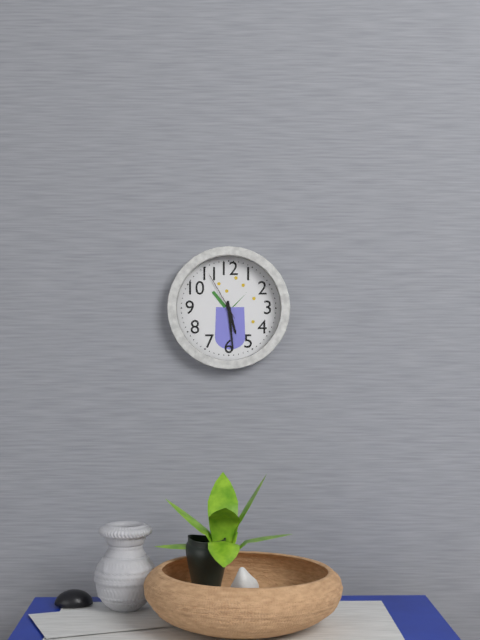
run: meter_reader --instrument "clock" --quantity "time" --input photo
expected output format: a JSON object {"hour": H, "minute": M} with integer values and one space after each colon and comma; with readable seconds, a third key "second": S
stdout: {"hour": 5, "minute": 29, "second": 55}
